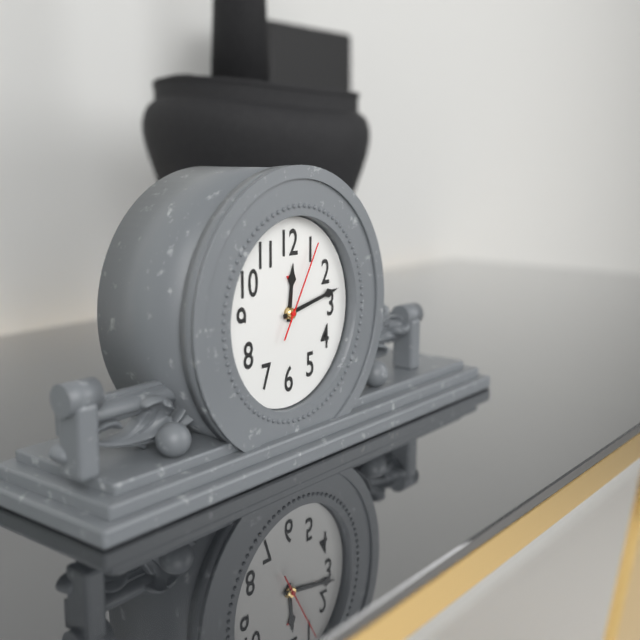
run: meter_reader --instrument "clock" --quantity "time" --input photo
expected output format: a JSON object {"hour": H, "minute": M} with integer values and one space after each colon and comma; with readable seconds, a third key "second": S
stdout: {"hour": 12, "minute": 13, "second": 5}
